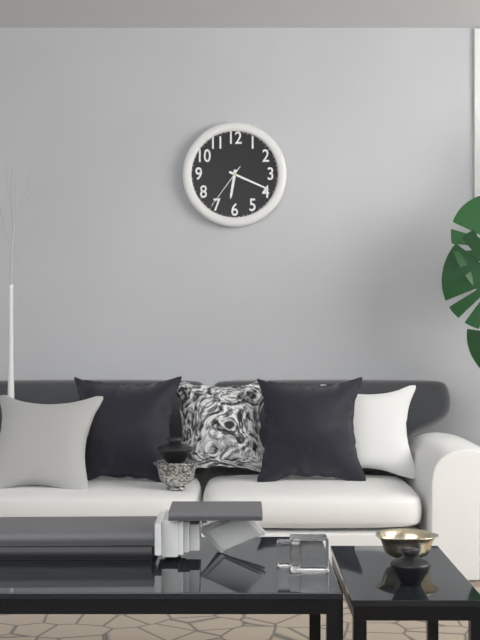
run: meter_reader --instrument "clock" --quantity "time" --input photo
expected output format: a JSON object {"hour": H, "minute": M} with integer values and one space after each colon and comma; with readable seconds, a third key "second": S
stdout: {"hour": 6, "minute": 19}
